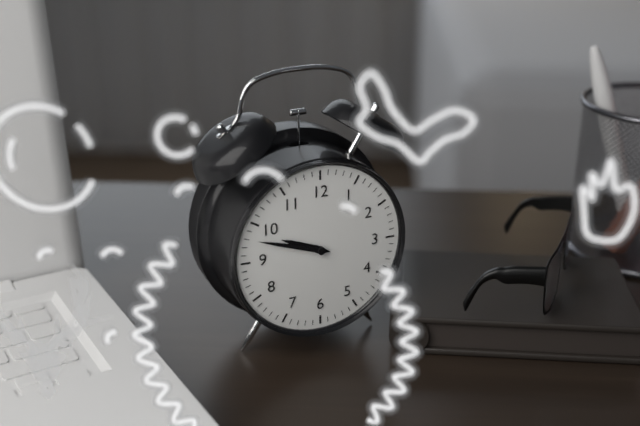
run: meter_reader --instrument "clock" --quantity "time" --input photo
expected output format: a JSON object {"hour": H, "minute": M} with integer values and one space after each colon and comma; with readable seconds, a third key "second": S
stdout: {"hour": 9, "minute": 48}
